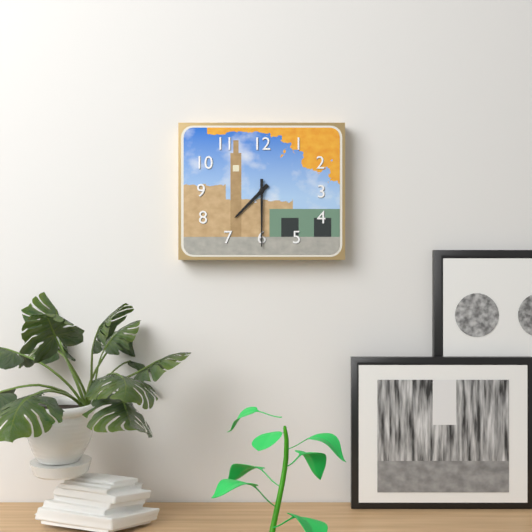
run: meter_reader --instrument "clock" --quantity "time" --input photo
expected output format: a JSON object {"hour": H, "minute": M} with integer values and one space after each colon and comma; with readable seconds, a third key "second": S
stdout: {"hour": 7, "minute": 30}
